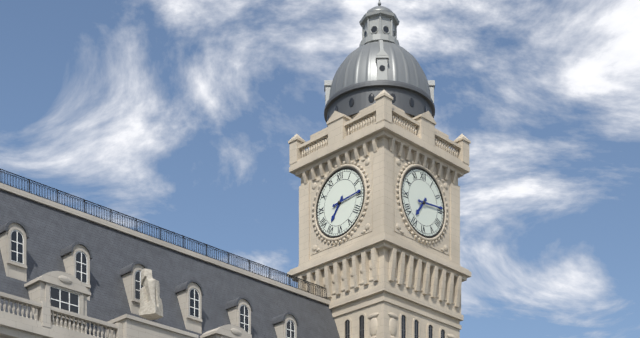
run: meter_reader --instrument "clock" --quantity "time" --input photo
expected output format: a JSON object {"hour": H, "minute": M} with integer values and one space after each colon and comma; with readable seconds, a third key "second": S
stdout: {"hour": 7, "minute": 14}
